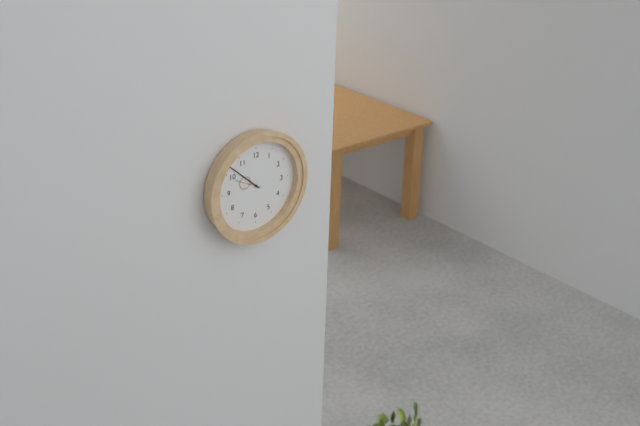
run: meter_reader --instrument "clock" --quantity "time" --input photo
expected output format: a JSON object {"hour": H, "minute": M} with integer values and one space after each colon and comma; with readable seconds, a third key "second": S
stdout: {"hour": 9, "minute": 52}
